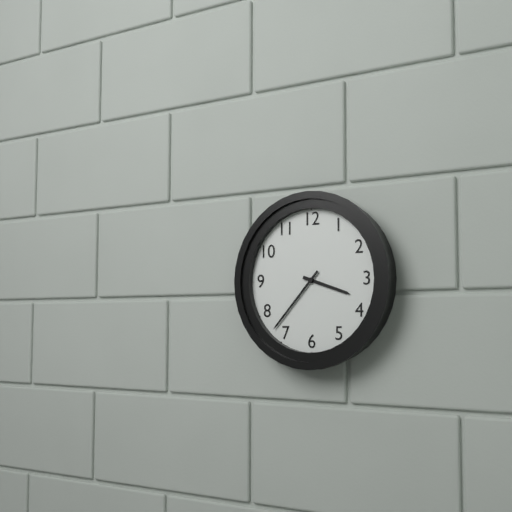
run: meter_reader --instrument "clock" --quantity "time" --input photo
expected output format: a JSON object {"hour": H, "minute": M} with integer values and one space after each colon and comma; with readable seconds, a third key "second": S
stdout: {"hour": 3, "minute": 37}
